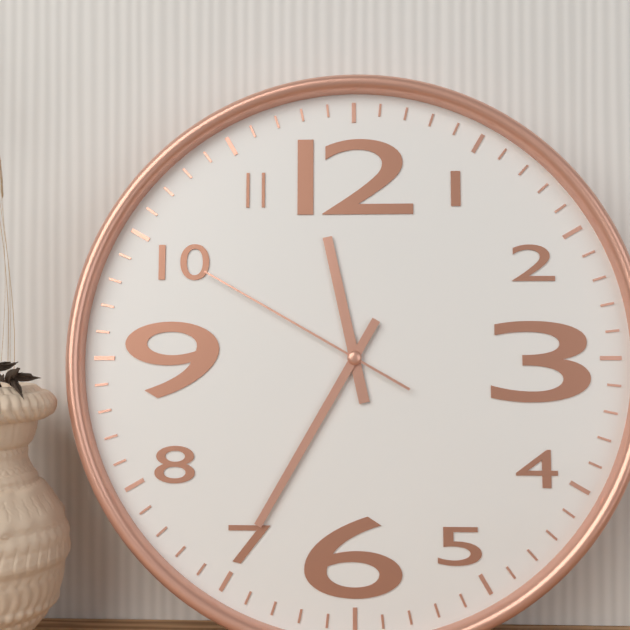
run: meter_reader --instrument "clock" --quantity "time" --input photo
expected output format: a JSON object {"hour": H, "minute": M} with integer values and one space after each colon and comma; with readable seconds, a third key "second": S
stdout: {"hour": 11, "minute": 35, "second": 50}
